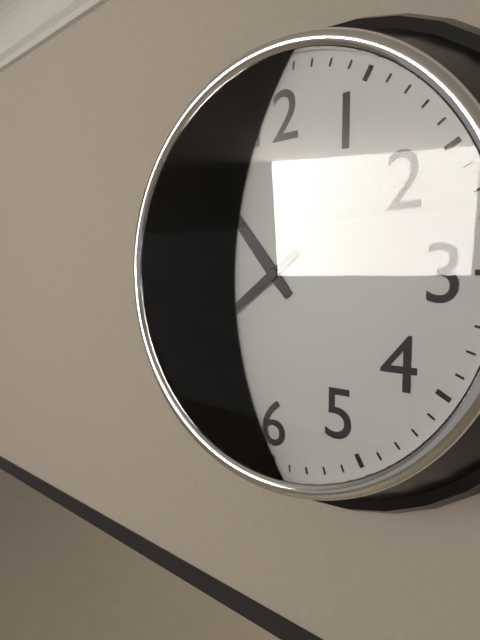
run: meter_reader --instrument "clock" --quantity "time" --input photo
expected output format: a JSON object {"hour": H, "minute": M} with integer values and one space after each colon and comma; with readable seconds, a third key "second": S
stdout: {"hour": 10, "minute": 39}
